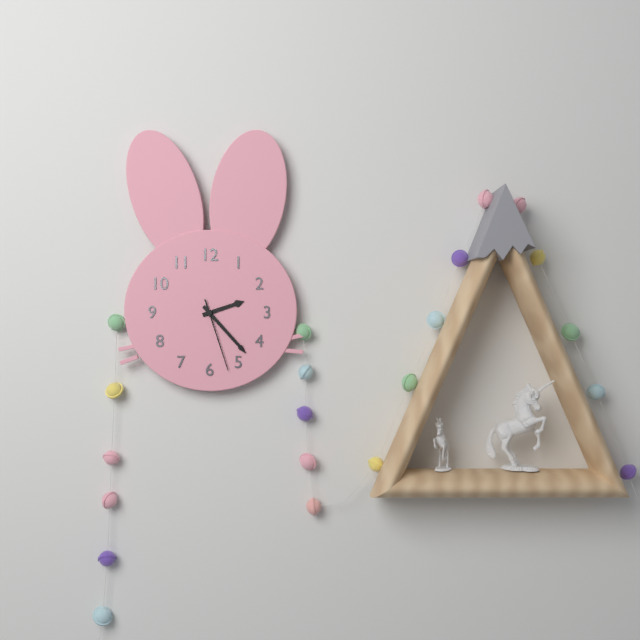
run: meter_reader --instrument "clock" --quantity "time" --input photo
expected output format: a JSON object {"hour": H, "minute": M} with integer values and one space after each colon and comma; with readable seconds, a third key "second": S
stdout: {"hour": 2, "minute": 23, "second": 27}
